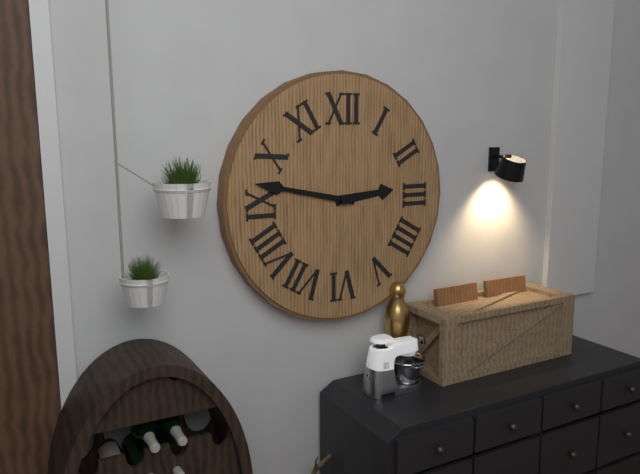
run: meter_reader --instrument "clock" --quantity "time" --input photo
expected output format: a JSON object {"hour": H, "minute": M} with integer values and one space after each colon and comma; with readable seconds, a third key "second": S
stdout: {"hour": 2, "minute": 47}
